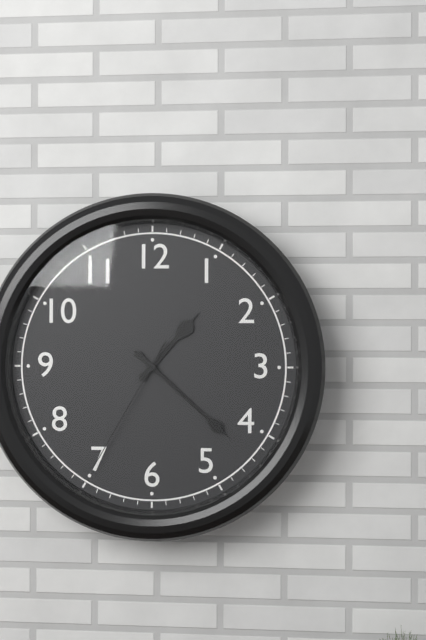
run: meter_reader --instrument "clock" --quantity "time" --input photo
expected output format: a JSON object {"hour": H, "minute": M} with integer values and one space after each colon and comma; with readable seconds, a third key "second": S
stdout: {"hour": 1, "minute": 22, "second": 35}
